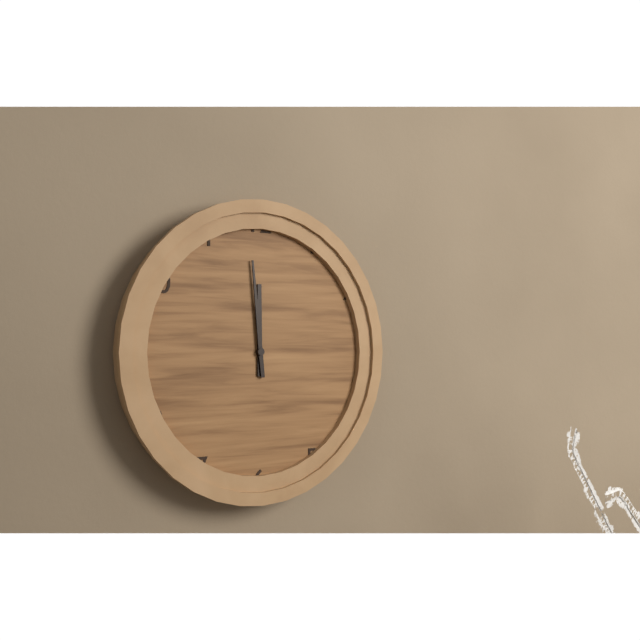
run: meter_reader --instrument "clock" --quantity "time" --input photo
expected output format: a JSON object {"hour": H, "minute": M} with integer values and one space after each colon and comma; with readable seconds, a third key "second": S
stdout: {"hour": 11, "minute": 59}
